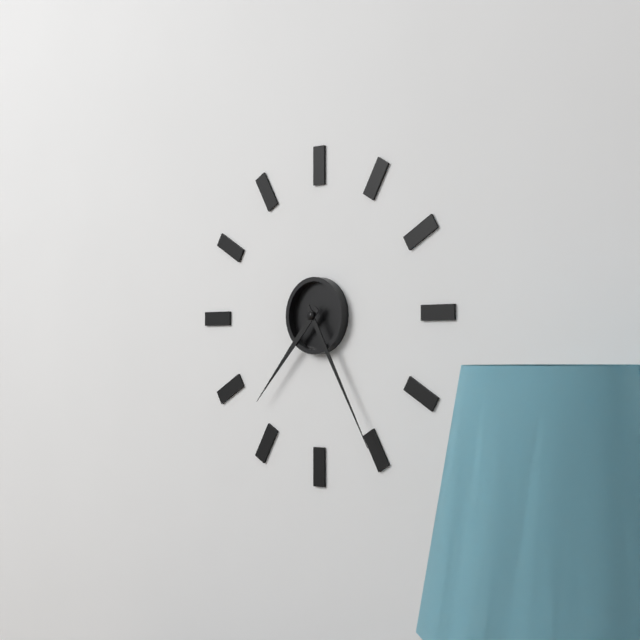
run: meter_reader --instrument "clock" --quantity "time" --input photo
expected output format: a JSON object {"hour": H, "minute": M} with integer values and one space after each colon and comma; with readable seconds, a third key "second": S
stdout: {"hour": 7, "minute": 25}
